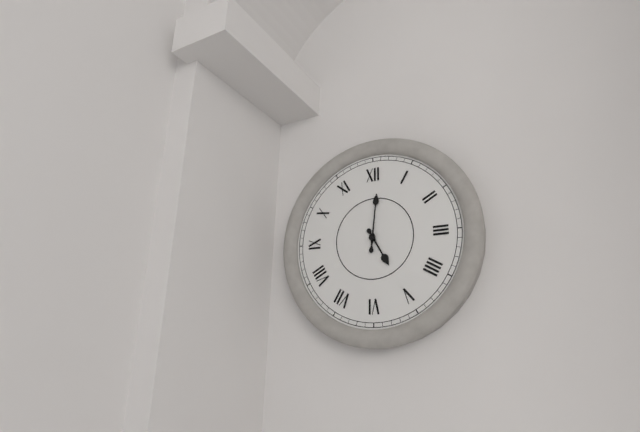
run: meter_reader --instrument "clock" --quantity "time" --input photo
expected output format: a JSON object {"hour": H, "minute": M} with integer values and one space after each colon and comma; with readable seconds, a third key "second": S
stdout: {"hour": 5, "minute": 1}
